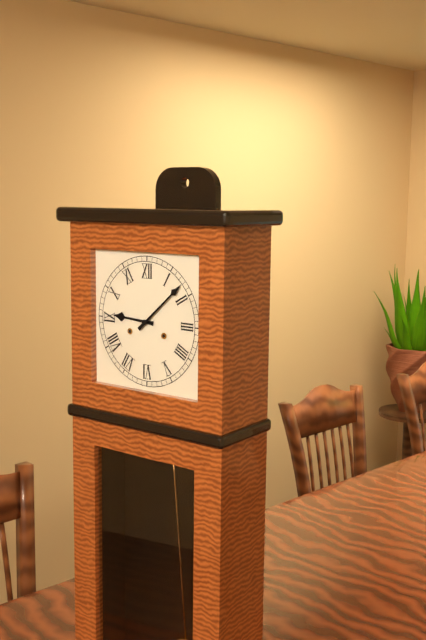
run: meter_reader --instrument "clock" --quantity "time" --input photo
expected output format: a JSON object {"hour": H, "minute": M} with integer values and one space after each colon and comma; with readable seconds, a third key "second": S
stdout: {"hour": 9, "minute": 8}
